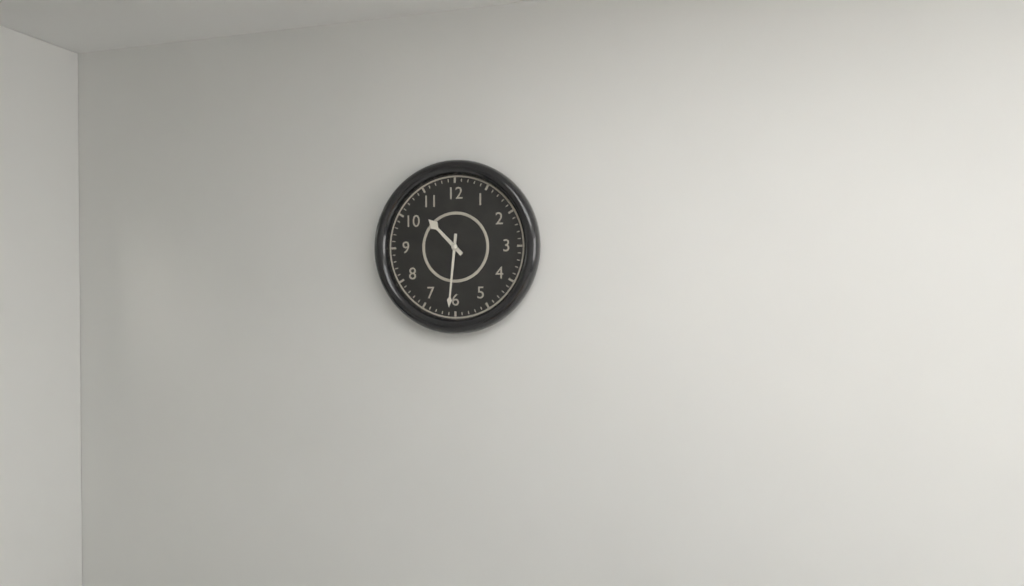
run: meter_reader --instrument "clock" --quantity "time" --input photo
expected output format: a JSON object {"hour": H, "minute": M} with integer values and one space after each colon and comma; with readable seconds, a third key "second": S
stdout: {"hour": 10, "minute": 31}
